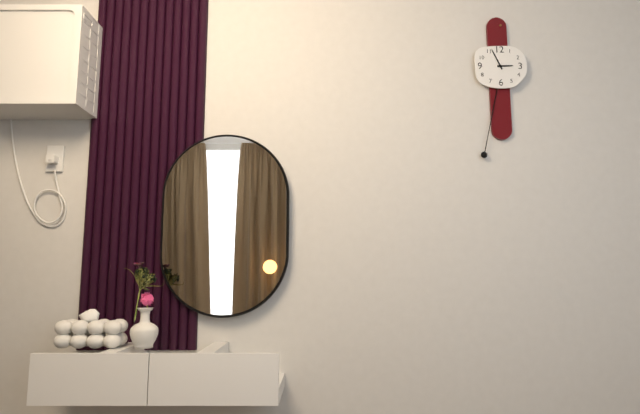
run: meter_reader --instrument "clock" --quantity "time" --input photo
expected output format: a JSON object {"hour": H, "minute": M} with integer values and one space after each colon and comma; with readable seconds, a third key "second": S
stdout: {"hour": 2, "minute": 56}
